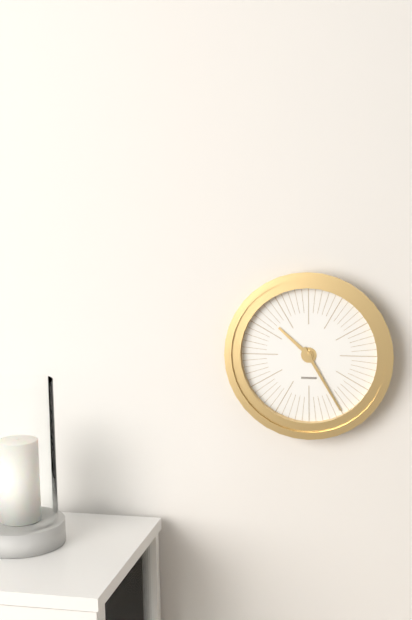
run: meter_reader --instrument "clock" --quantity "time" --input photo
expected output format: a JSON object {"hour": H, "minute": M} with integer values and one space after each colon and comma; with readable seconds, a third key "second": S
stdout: {"hour": 10, "minute": 25}
